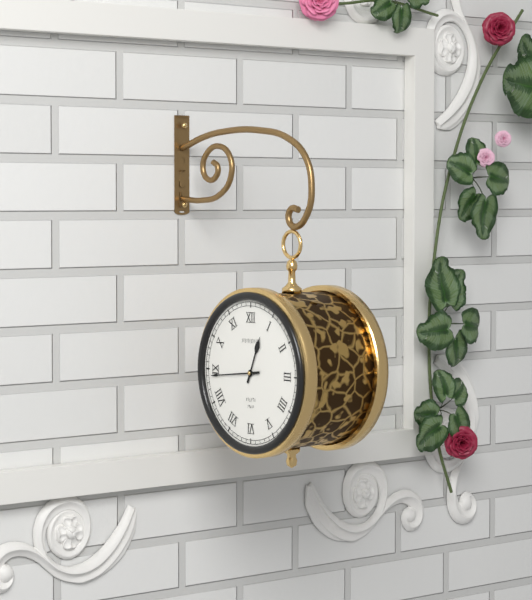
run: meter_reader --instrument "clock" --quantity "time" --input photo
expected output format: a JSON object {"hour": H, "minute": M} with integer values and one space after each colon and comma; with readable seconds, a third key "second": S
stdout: {"hour": 12, "minute": 44}
